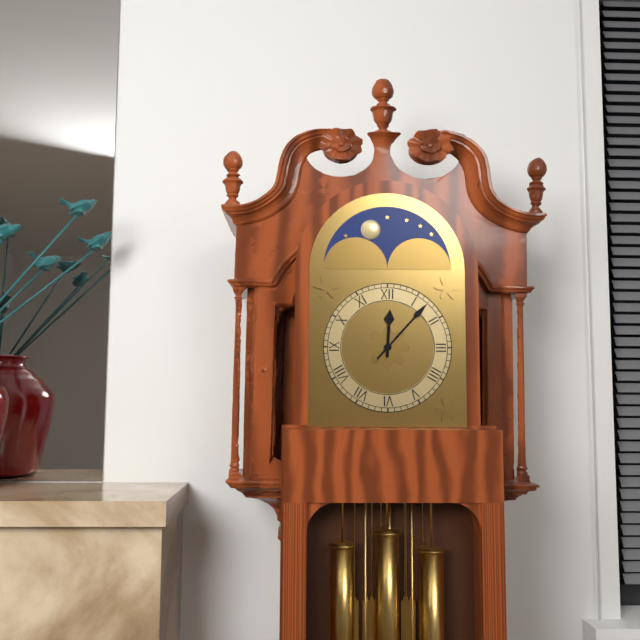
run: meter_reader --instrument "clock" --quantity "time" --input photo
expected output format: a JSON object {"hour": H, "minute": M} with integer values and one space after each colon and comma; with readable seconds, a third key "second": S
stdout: {"hour": 12, "minute": 7}
